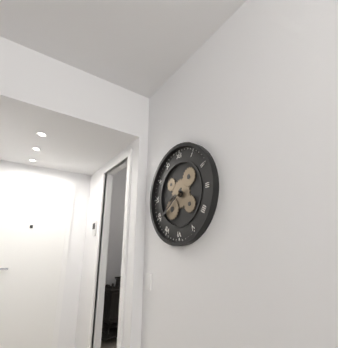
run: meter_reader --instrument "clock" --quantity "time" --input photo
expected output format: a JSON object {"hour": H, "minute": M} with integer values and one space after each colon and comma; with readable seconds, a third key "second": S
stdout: {"hour": 8, "minute": 39}
